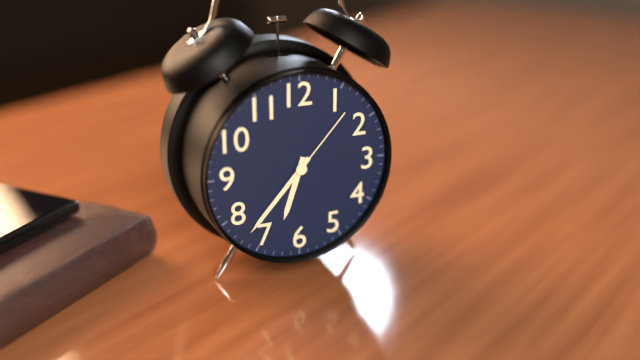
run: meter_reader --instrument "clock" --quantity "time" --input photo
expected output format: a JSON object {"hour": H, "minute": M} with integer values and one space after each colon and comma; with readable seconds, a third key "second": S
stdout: {"hour": 6, "minute": 37, "second": 7}
